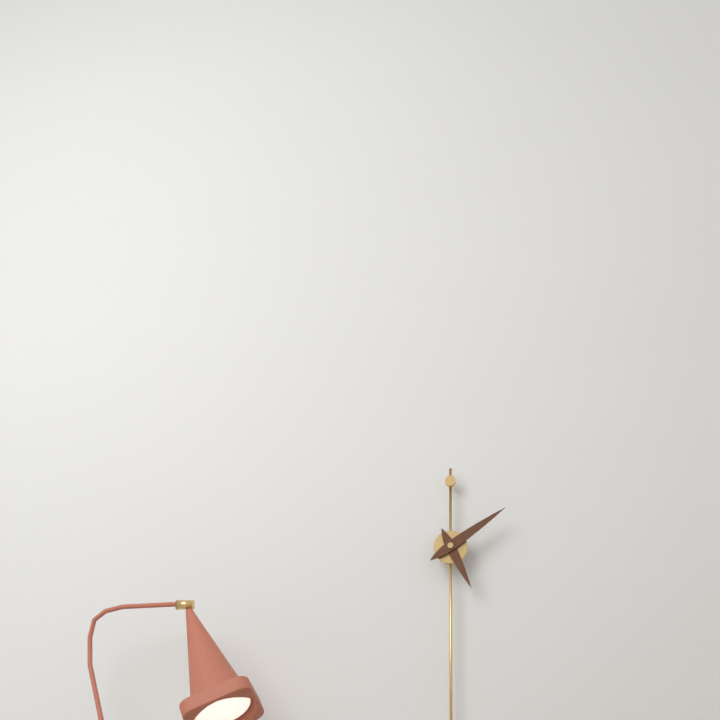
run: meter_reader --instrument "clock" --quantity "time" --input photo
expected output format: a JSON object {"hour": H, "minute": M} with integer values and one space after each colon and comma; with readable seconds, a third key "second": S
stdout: {"hour": 5, "minute": 9}
